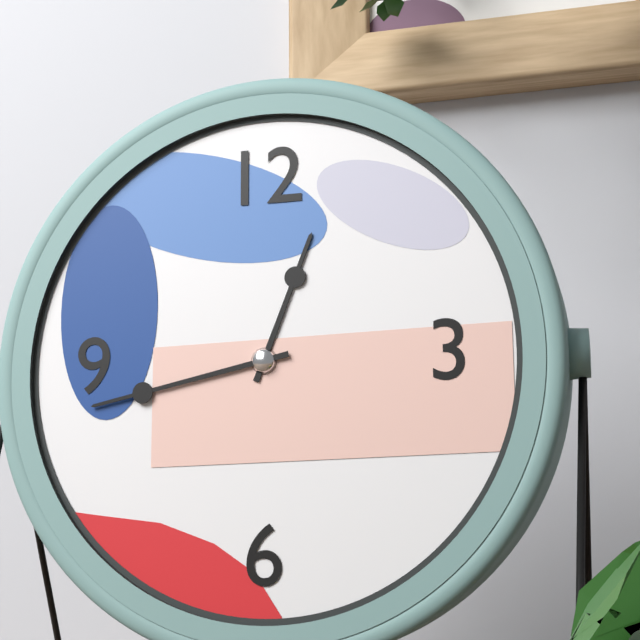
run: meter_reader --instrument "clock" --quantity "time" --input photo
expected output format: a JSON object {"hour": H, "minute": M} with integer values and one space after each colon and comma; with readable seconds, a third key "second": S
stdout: {"hour": 12, "minute": 43}
